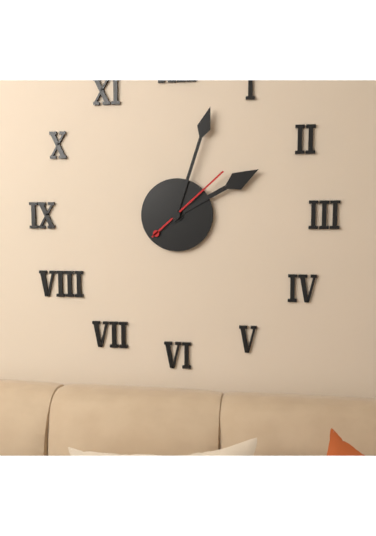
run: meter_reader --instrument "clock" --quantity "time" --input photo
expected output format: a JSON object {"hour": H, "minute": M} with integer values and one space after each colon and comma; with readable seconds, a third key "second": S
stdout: {"hour": 2, "minute": 3, "second": 8}
